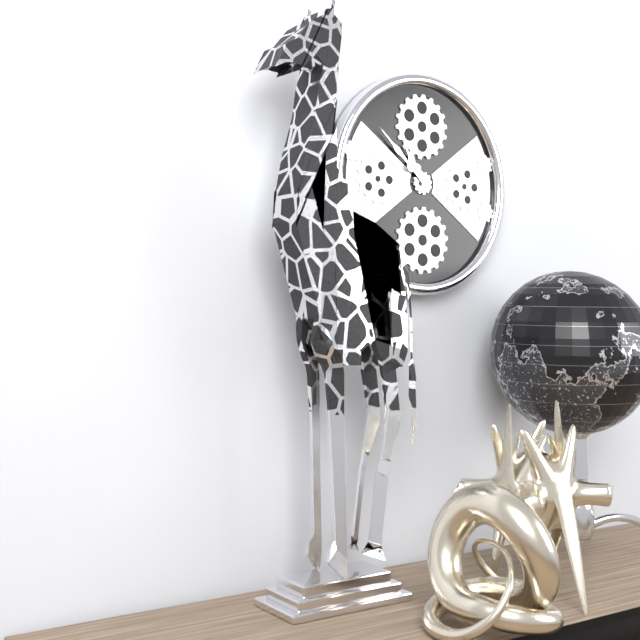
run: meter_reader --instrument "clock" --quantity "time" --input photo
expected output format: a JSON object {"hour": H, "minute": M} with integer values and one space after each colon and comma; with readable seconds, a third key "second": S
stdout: {"hour": 10, "minute": 52}
